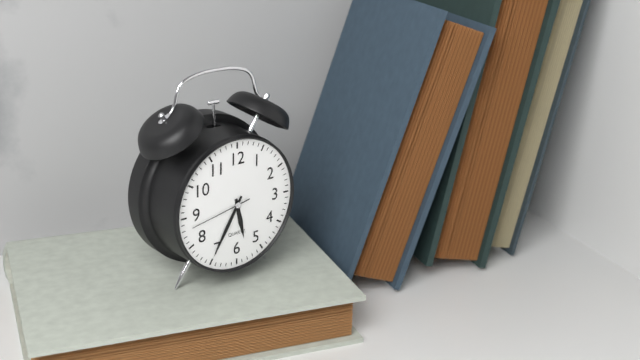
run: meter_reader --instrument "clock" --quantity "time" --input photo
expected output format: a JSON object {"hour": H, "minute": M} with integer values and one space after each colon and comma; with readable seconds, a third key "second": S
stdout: {"hour": 5, "minute": 35, "second": 43}
